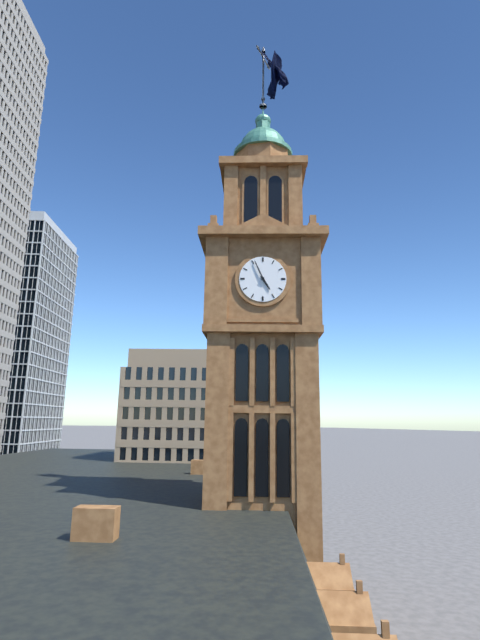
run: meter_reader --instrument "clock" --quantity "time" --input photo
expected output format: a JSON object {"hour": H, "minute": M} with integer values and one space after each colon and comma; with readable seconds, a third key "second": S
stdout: {"hour": 4, "minute": 56}
